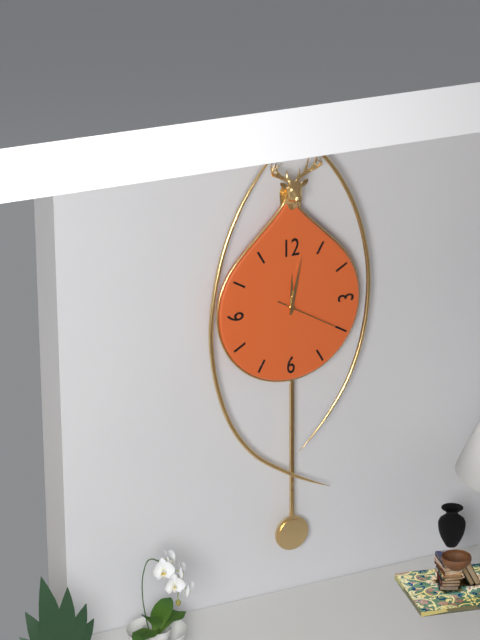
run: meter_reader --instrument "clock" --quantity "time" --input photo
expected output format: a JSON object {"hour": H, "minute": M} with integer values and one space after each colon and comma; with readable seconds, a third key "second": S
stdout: {"hour": 12, "minute": 2, "second": 20}
